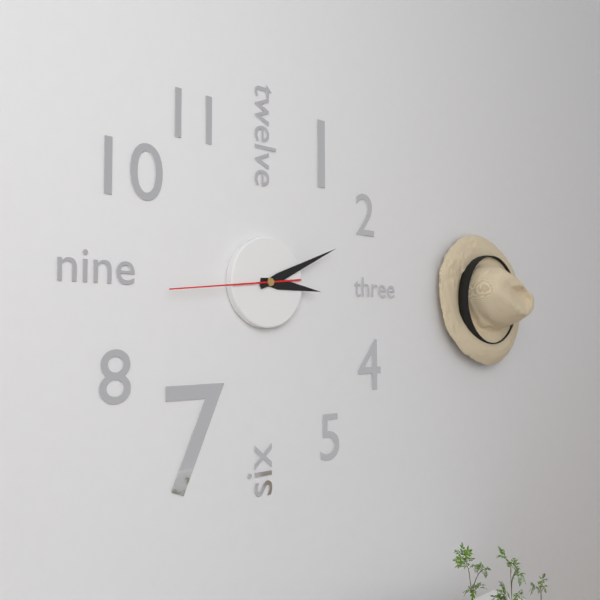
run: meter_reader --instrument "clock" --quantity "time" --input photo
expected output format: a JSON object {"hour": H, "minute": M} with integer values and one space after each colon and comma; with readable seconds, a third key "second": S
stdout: {"hour": 3, "minute": 11, "second": 44}
